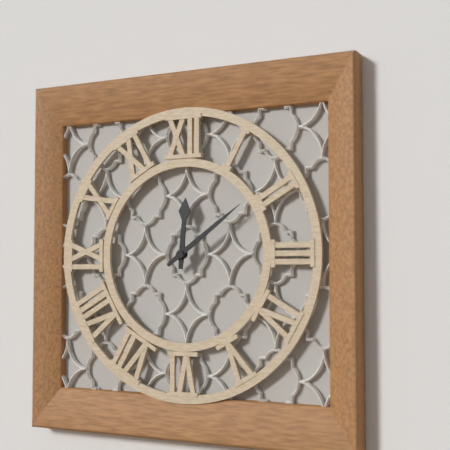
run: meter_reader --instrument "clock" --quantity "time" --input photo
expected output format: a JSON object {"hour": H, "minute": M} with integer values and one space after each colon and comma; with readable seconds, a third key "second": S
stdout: {"hour": 12, "minute": 9}
